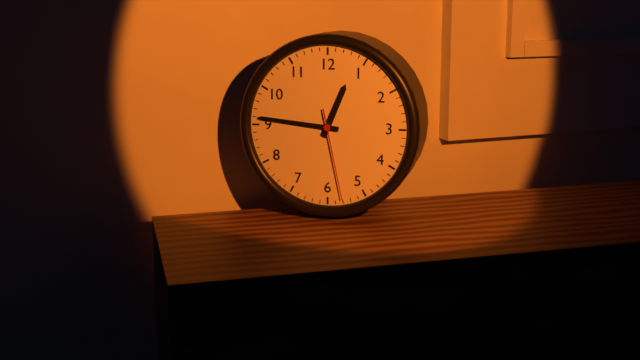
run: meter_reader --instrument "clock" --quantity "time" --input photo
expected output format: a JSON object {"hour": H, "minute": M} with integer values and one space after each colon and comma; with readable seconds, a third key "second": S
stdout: {"hour": 12, "minute": 46, "second": 28}
